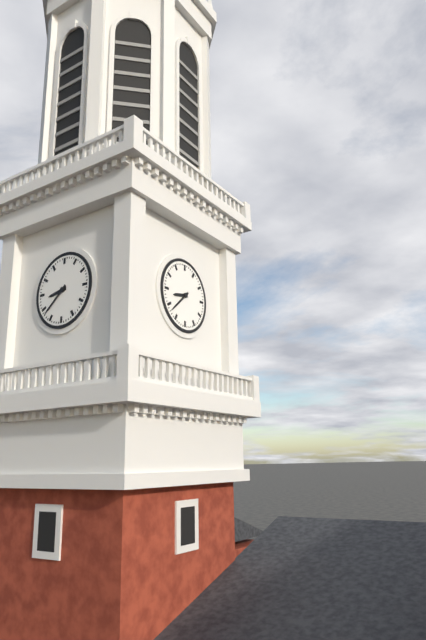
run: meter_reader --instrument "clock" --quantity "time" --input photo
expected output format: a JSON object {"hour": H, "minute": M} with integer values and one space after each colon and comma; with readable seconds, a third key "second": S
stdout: {"hour": 8, "minute": 38}
